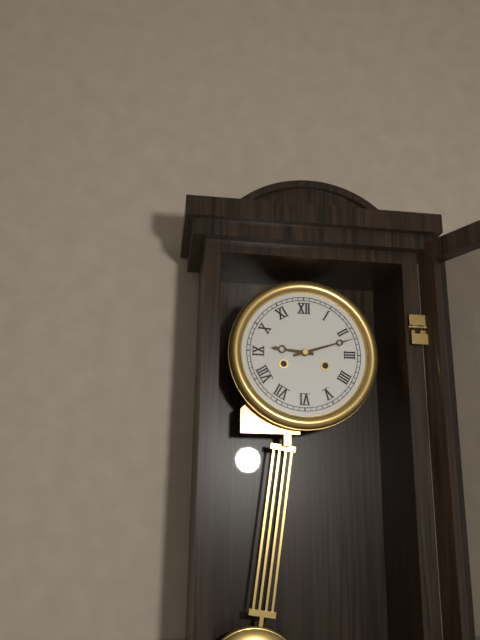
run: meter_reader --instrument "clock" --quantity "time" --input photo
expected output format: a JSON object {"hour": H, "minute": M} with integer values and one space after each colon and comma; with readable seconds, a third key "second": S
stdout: {"hour": 9, "minute": 12}
